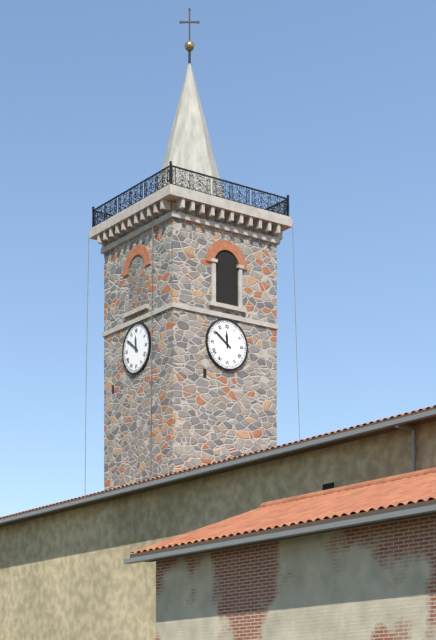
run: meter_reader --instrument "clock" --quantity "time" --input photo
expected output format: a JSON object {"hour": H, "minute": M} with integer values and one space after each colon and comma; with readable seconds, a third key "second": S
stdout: {"hour": 11, "minute": 51}
